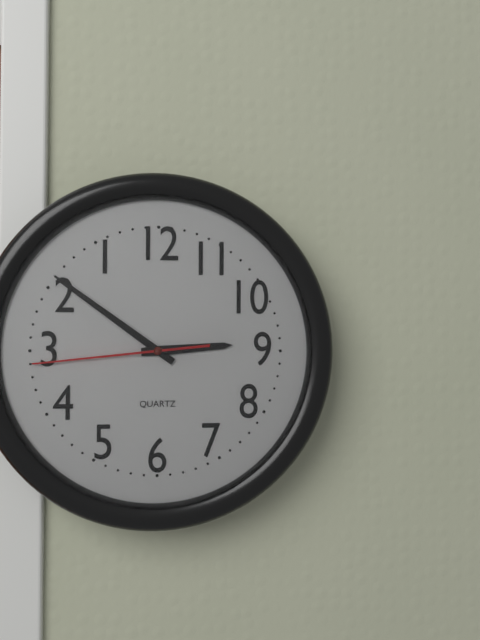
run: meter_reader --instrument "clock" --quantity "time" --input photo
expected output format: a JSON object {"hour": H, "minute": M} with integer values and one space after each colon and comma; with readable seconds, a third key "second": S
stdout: {"hour": 2, "minute": 51, "second": 44}
